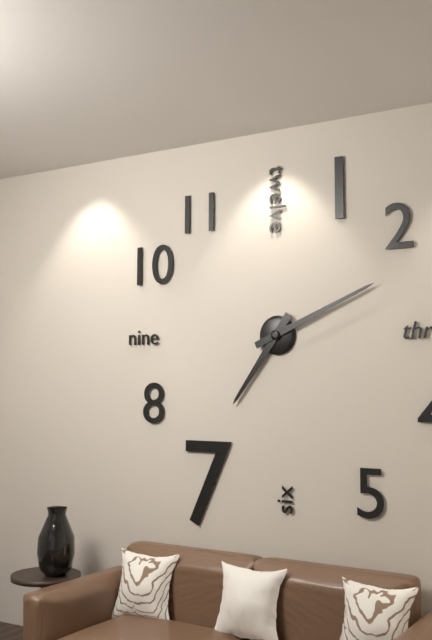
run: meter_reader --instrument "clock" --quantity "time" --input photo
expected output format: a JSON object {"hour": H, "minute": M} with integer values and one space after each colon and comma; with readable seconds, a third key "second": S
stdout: {"hour": 7, "minute": 11}
